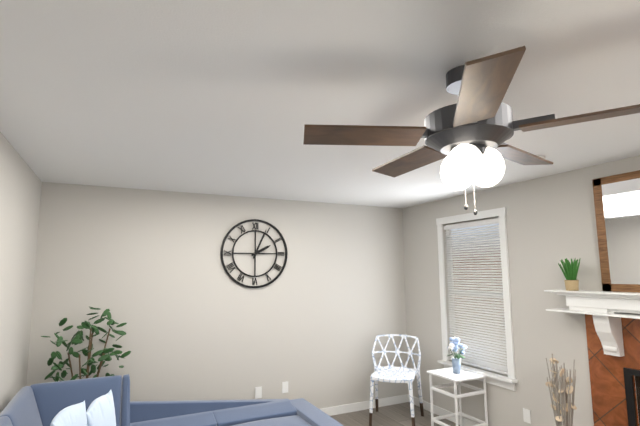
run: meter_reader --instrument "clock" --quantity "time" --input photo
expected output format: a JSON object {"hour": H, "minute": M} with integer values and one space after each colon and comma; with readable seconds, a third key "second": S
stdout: {"hour": 2, "minute": 4}
